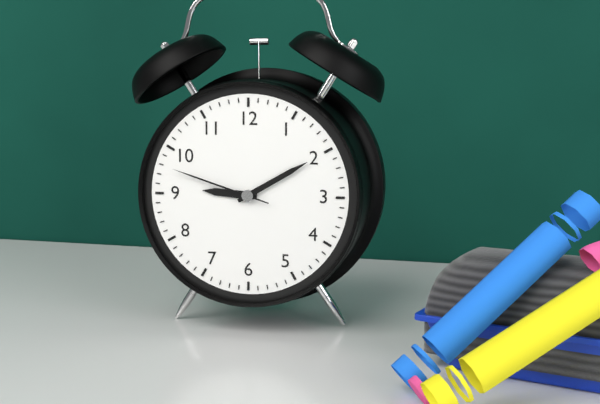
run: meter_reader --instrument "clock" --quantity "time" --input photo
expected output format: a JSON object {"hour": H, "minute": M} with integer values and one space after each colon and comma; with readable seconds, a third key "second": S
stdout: {"hour": 9, "minute": 10, "second": 48}
